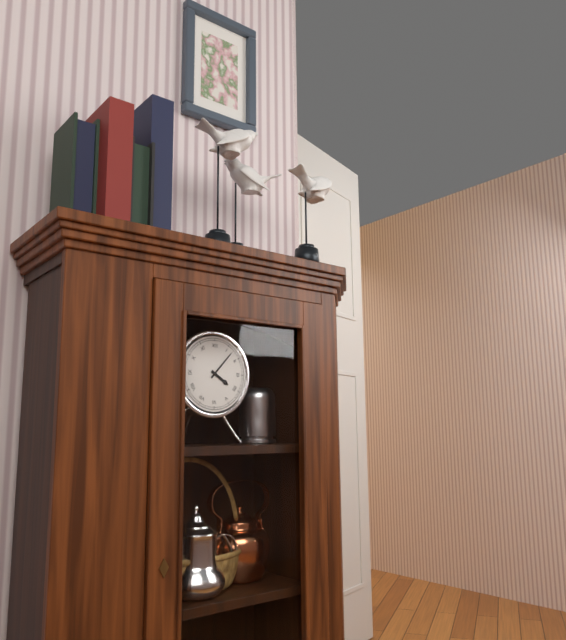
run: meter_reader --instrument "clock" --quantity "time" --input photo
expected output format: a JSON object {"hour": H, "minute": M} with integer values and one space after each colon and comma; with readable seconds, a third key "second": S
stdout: {"hour": 4, "minute": 7}
